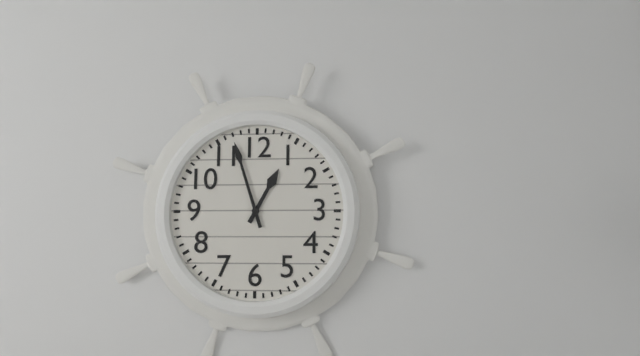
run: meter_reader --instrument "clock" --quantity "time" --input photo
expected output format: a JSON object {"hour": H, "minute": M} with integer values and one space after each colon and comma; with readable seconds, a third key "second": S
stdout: {"hour": 12, "minute": 57}
